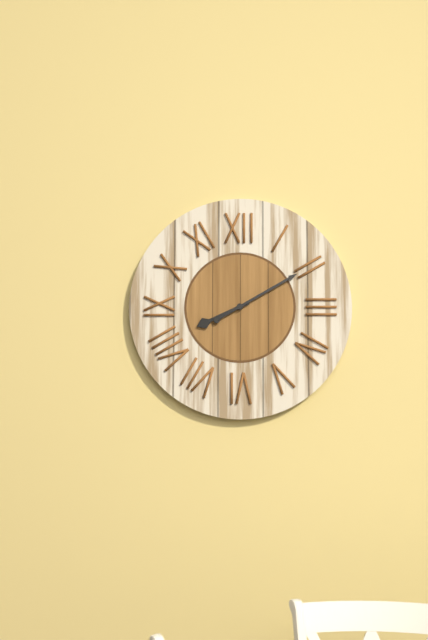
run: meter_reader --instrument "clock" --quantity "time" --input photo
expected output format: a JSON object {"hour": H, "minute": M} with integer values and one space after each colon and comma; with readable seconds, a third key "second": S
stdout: {"hour": 8, "minute": 10}
